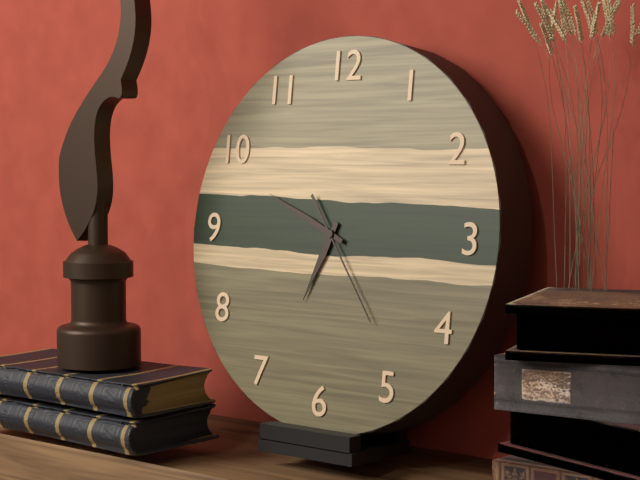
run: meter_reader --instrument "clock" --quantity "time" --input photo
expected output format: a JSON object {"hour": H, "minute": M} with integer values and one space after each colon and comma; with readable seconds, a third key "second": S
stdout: {"hour": 6, "minute": 49, "second": 24}
